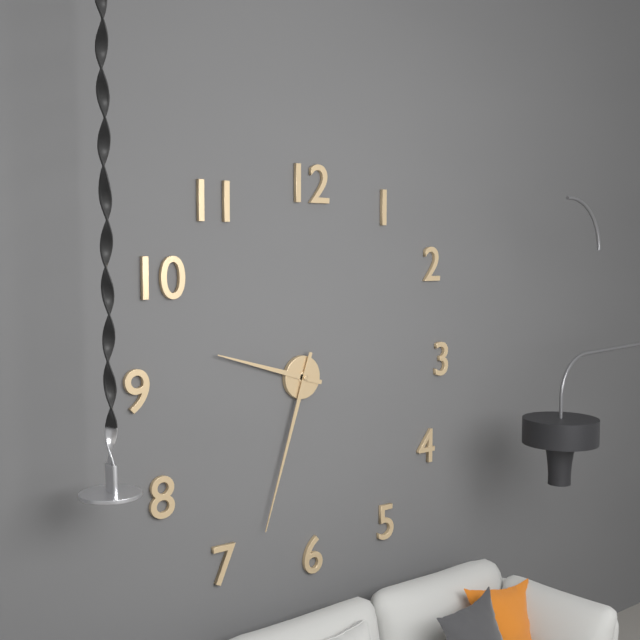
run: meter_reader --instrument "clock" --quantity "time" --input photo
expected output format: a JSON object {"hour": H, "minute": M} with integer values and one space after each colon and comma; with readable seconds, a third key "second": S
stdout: {"hour": 9, "minute": 33}
